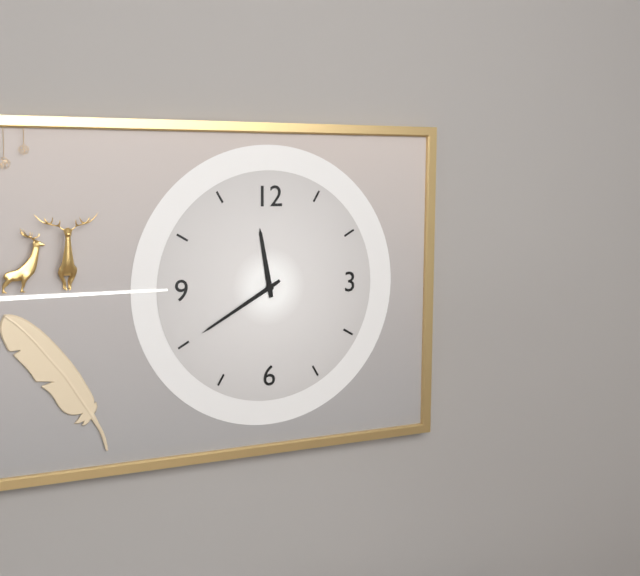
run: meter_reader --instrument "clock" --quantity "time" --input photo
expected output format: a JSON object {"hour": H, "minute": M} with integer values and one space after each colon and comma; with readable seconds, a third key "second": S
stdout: {"hour": 11, "minute": 40}
